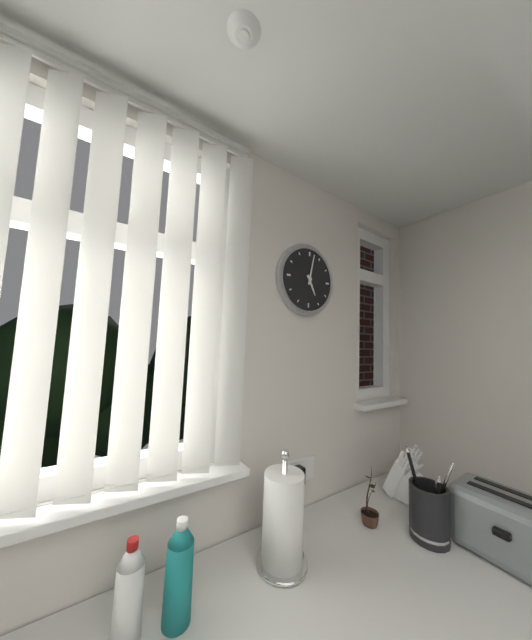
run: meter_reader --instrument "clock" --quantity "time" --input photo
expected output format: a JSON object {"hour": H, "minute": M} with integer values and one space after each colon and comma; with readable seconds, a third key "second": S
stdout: {"hour": 5, "minute": 2}
